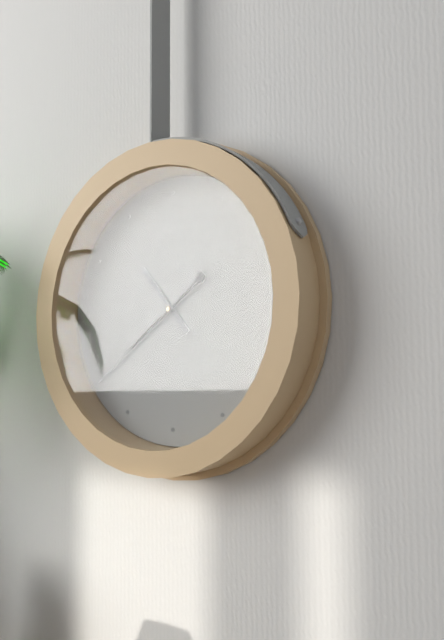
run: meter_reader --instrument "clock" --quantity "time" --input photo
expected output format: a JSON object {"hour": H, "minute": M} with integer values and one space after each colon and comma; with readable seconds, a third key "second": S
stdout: {"hour": 10, "minute": 39, "second": 39}
